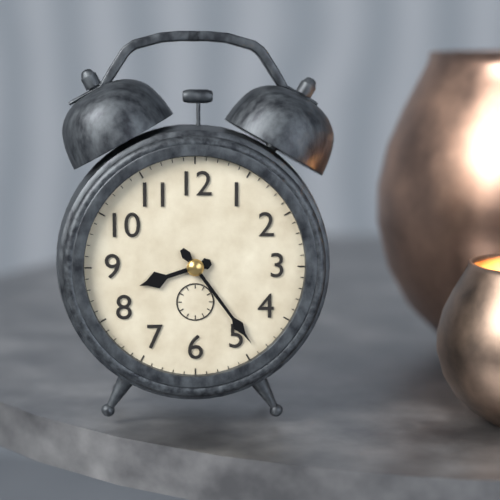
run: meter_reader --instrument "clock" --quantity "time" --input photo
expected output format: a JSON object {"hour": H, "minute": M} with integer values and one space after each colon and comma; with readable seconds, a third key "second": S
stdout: {"hour": 8, "minute": 24}
